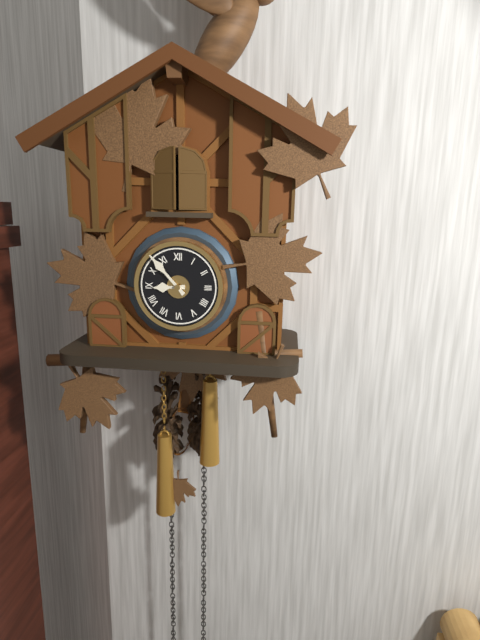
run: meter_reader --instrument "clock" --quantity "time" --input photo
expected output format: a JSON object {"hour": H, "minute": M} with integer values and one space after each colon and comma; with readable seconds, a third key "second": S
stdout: {"hour": 8, "minute": 53}
